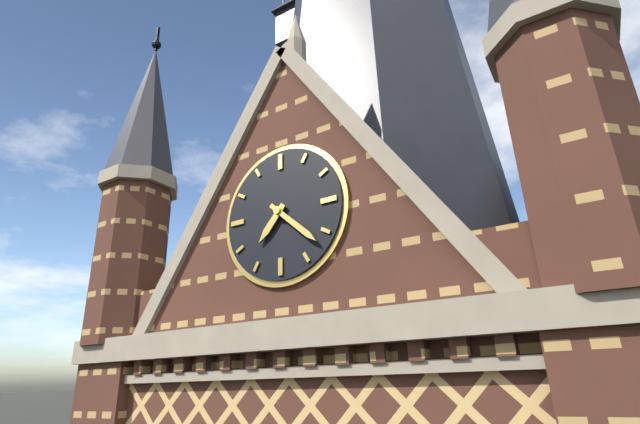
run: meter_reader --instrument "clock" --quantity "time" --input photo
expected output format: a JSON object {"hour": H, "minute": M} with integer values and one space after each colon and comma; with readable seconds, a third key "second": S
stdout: {"hour": 7, "minute": 22}
